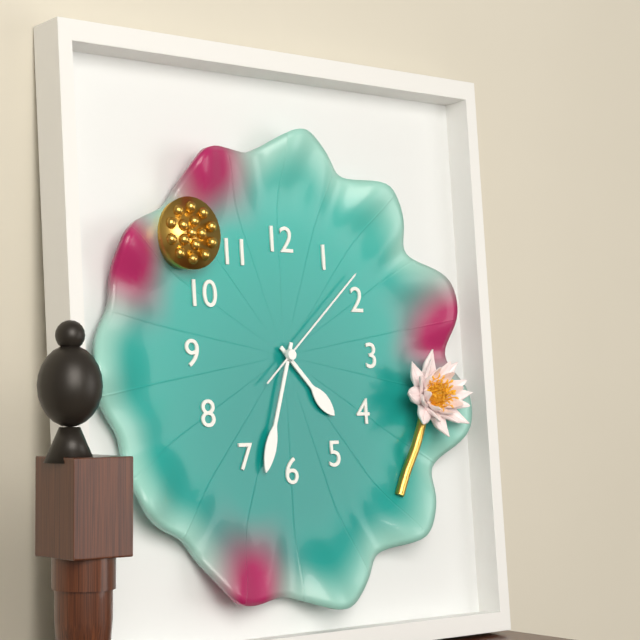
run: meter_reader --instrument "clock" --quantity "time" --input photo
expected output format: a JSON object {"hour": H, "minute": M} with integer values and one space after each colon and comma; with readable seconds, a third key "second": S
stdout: {"hour": 4, "minute": 33, "second": 8}
